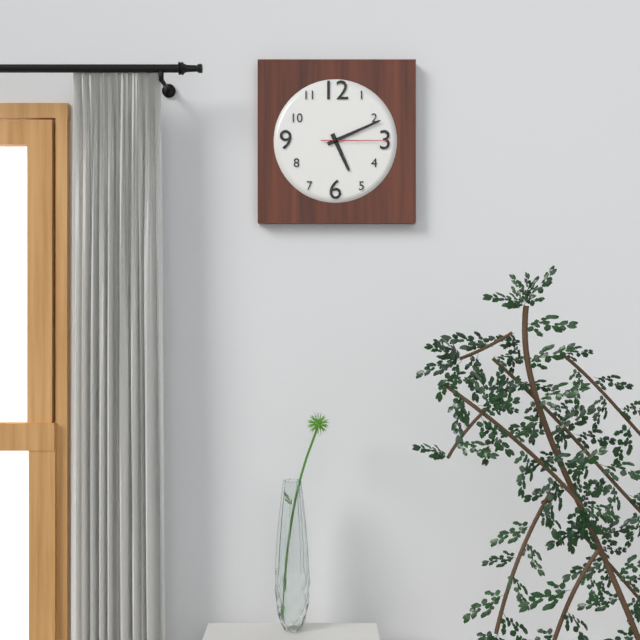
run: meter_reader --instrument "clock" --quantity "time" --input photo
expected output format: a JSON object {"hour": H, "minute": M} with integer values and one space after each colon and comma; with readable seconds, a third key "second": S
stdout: {"hour": 5, "minute": 11, "second": 15}
